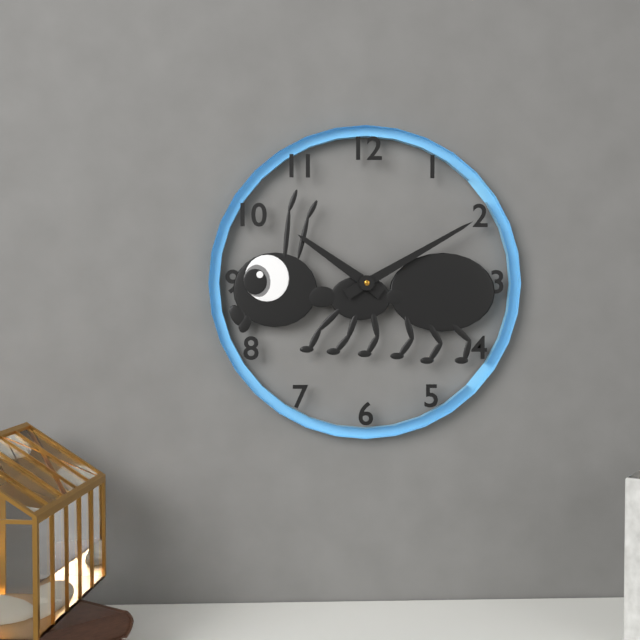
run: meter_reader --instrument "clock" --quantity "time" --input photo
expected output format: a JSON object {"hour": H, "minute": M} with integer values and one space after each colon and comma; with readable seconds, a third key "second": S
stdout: {"hour": 10, "minute": 10}
